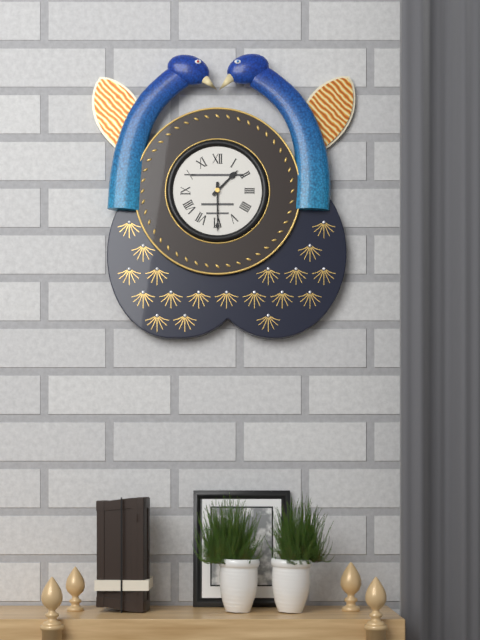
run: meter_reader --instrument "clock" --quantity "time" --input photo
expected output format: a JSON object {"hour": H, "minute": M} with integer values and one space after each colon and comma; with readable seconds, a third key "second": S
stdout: {"hour": 1, "minute": 30}
